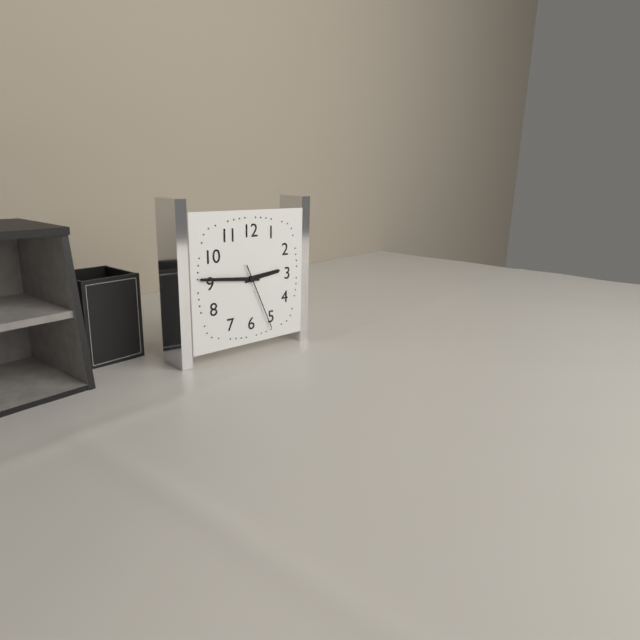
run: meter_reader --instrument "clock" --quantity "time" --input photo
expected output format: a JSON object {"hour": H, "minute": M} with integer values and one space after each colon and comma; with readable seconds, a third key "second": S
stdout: {"hour": 2, "minute": 46, "second": 26}
